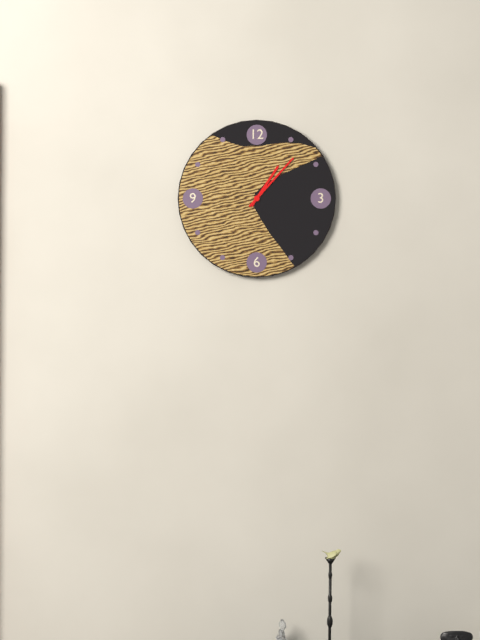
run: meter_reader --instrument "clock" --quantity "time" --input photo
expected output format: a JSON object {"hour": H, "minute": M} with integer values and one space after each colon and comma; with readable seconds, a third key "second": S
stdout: {"hour": 1, "minute": 7}
